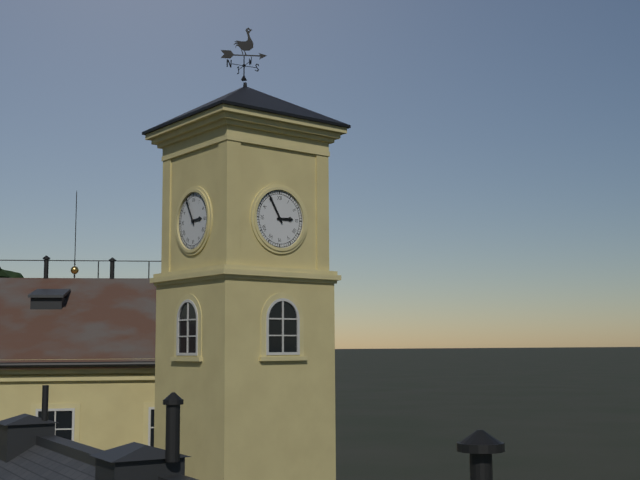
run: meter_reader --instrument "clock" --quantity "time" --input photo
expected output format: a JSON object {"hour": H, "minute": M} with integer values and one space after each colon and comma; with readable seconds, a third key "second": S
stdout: {"hour": 2, "minute": 55}
